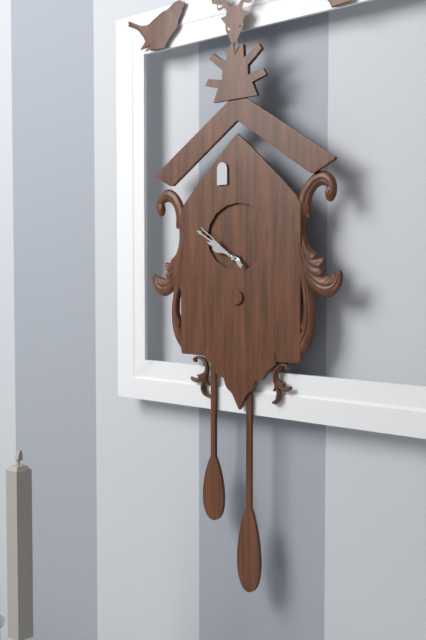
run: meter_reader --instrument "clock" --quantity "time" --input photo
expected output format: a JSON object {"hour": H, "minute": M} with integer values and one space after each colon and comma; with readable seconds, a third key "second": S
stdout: {"hour": 9, "minute": 50, "second": 51}
